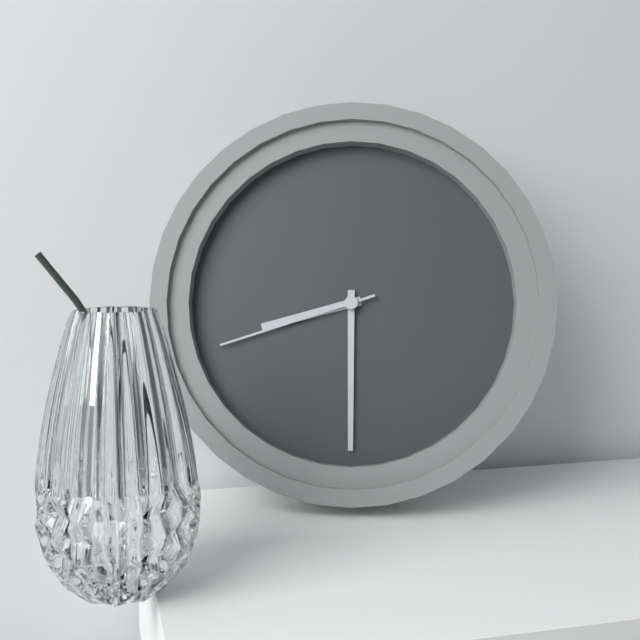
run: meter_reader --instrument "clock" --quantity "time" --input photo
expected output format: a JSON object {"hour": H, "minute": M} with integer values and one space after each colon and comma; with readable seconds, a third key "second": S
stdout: {"hour": 8, "minute": 30, "second": 42}
